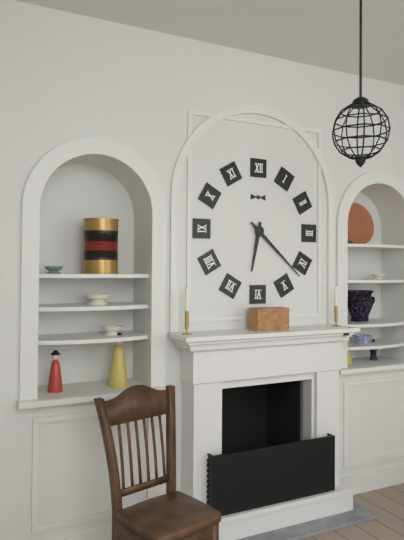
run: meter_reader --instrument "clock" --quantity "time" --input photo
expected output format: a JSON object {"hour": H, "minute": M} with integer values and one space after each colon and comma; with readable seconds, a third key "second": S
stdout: {"hour": 6, "minute": 22}
